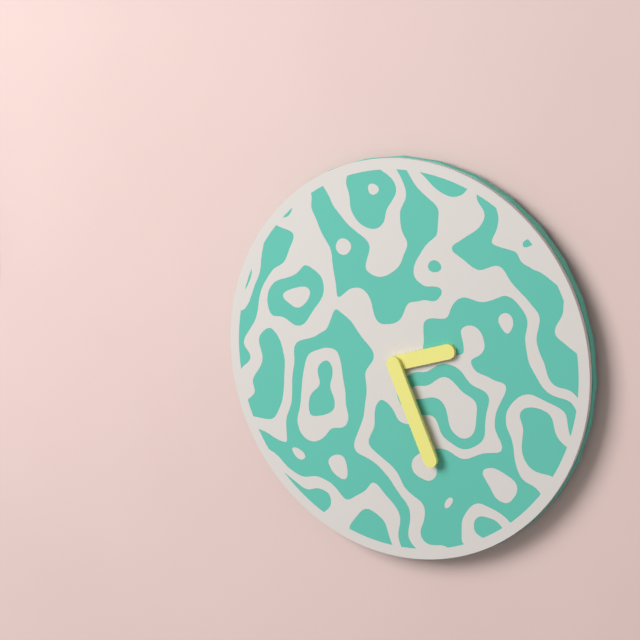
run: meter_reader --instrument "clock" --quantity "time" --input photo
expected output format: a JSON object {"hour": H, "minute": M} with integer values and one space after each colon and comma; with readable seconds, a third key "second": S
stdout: {"hour": 2, "minute": 26}
